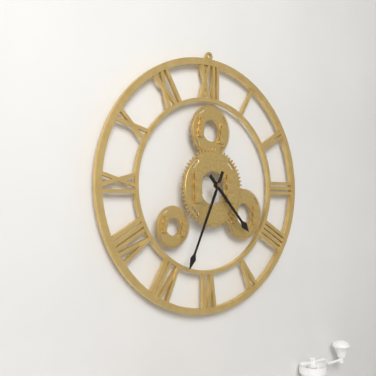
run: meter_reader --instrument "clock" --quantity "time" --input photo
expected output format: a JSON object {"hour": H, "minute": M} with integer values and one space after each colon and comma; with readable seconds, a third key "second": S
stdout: {"hour": 4, "minute": 34}
